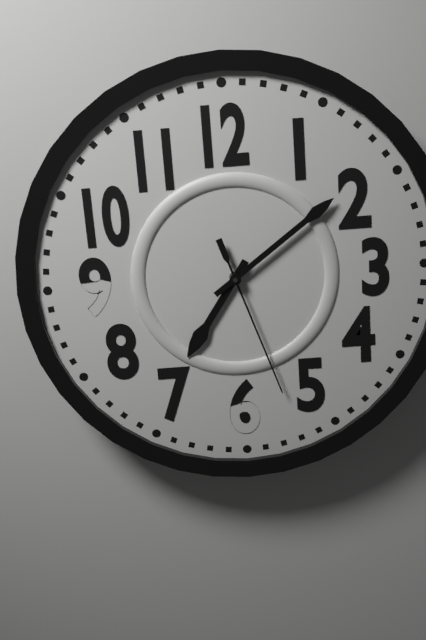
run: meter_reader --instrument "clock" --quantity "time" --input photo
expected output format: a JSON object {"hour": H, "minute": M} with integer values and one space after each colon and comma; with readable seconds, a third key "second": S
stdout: {"hour": 7, "minute": 9, "second": 27}
